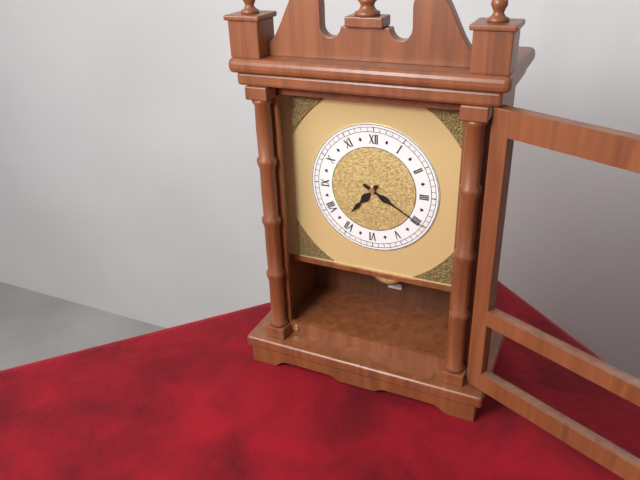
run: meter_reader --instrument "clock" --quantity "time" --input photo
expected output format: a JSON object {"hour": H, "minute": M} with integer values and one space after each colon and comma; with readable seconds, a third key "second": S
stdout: {"hour": 7, "minute": 20}
